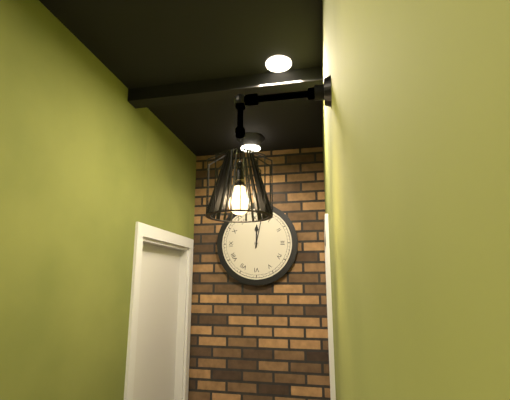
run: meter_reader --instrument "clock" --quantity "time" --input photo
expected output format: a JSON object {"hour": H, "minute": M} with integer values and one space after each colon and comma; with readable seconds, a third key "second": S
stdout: {"hour": 12, "minute": 2}
